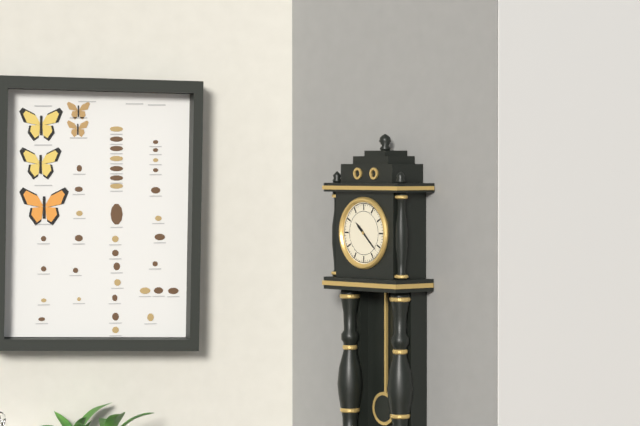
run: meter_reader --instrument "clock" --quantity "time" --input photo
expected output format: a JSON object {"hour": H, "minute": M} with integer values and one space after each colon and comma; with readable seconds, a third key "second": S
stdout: {"hour": 10, "minute": 22}
